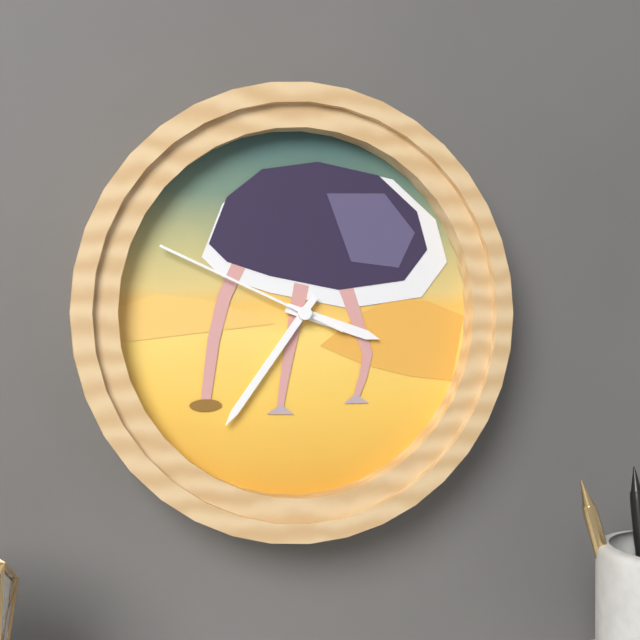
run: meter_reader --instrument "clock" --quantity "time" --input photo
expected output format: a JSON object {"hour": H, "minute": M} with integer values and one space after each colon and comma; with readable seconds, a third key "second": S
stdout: {"hour": 3, "minute": 36, "second": 49}
